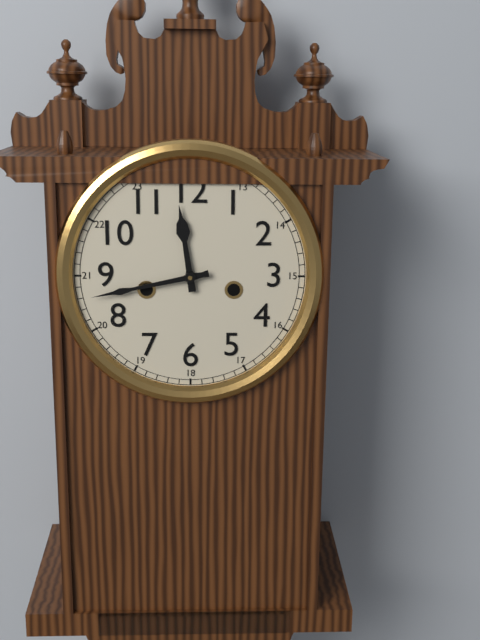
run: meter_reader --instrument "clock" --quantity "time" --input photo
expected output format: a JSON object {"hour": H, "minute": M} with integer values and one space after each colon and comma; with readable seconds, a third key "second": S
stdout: {"hour": 11, "minute": 43}
